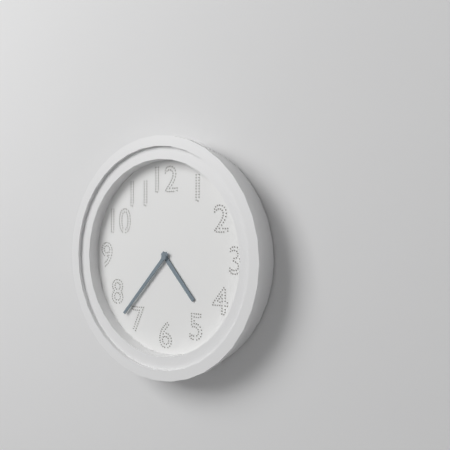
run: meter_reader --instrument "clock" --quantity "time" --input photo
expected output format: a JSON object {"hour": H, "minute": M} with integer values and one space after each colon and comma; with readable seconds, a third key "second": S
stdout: {"hour": 4, "minute": 37}
